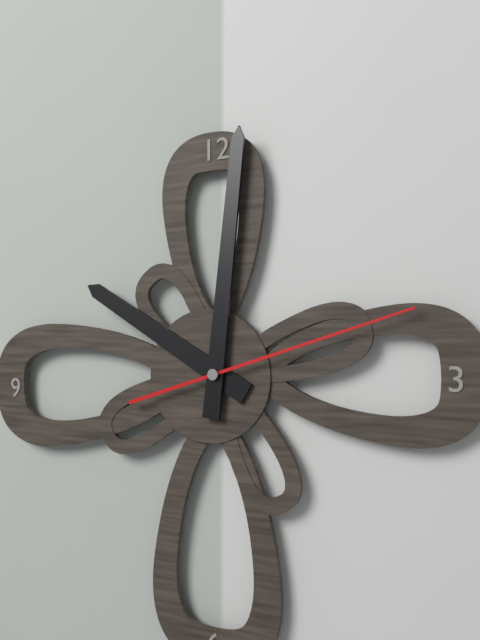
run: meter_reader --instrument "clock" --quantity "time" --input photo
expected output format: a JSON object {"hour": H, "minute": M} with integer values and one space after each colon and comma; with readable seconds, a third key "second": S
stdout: {"hour": 10, "minute": 1, "second": 12}
